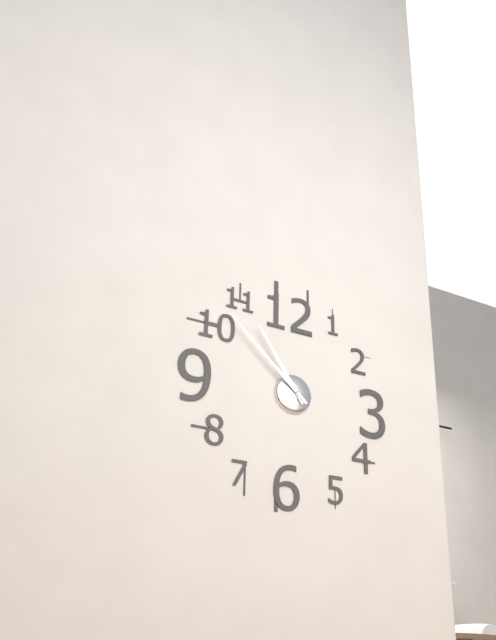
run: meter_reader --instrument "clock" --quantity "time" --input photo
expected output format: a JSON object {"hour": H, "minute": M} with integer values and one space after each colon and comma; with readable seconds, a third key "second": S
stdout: {"hour": 10, "minute": 52}
